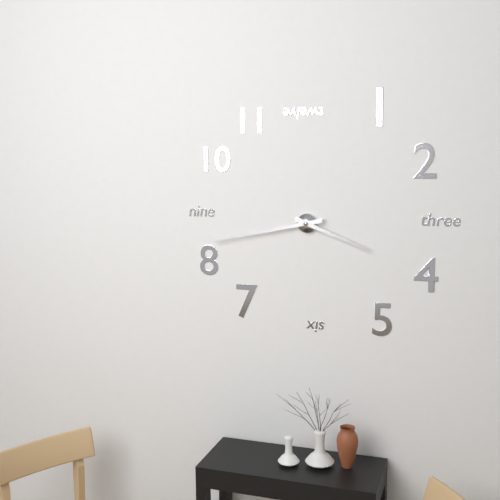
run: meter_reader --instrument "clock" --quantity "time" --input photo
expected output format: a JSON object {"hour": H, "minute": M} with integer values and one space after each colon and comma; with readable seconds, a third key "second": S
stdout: {"hour": 3, "minute": 43}
